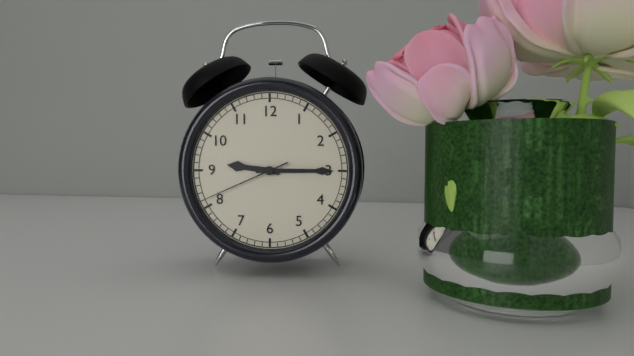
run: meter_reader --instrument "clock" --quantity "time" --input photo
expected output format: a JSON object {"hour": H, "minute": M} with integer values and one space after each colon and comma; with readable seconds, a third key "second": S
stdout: {"hour": 9, "minute": 15, "second": 41}
